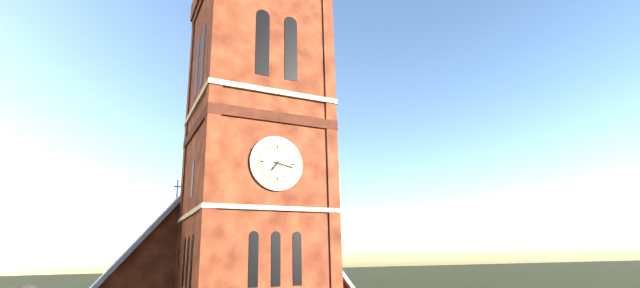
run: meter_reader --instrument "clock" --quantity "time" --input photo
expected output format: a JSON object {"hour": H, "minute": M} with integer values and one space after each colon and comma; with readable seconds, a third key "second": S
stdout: {"hour": 7, "minute": 17}
